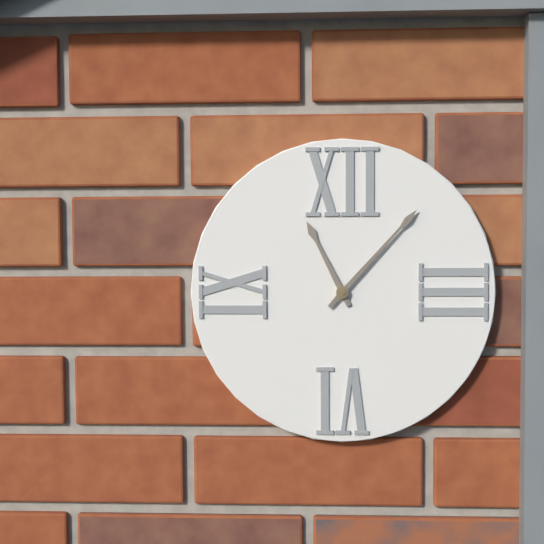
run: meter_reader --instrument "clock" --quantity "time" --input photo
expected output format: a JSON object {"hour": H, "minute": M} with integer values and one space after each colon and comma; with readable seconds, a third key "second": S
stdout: {"hour": 11, "minute": 7}
